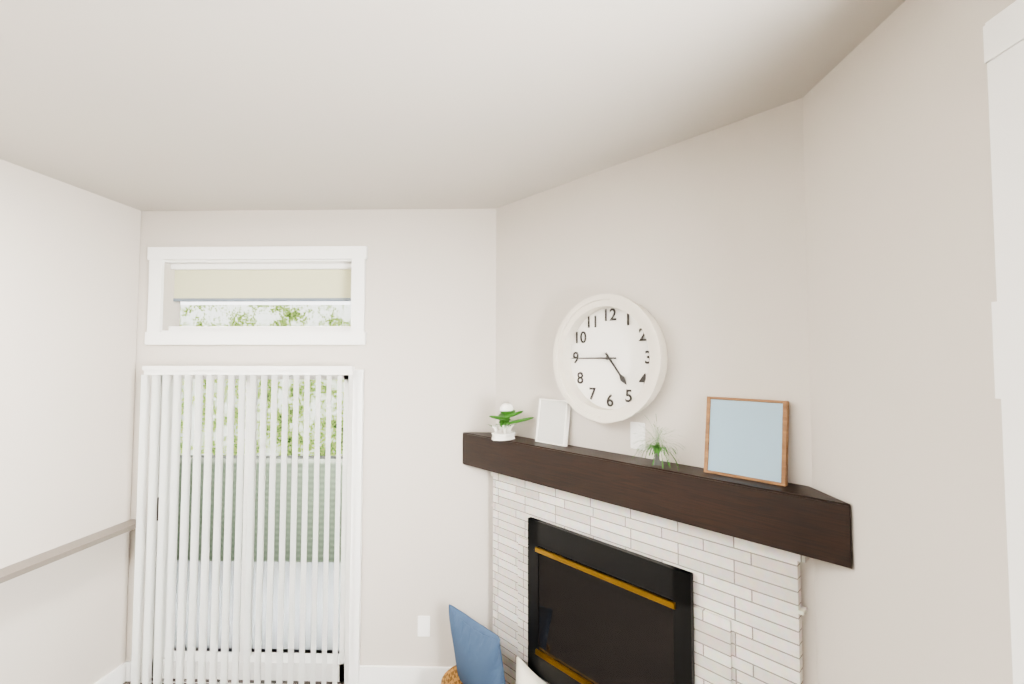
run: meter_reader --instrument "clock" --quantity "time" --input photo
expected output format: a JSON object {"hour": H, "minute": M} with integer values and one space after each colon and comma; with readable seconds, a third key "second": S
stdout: {"hour": 4, "minute": 45}
